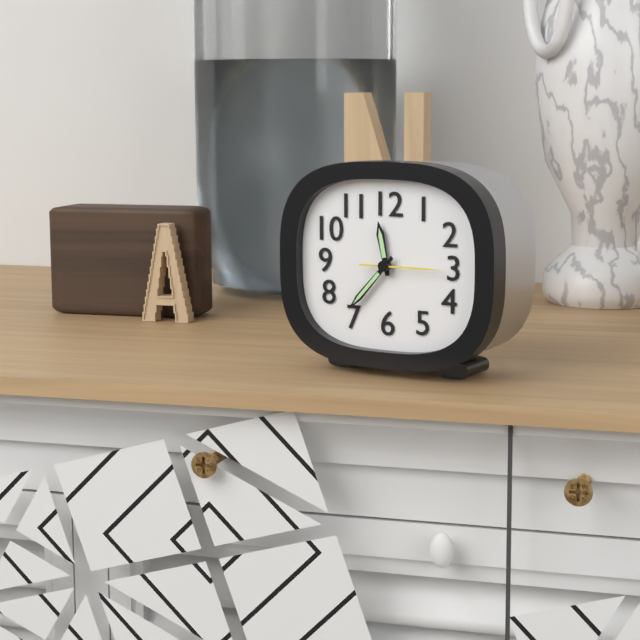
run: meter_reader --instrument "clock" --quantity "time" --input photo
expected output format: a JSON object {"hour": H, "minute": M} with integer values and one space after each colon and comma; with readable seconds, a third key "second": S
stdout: {"hour": 11, "minute": 37, "second": 15}
